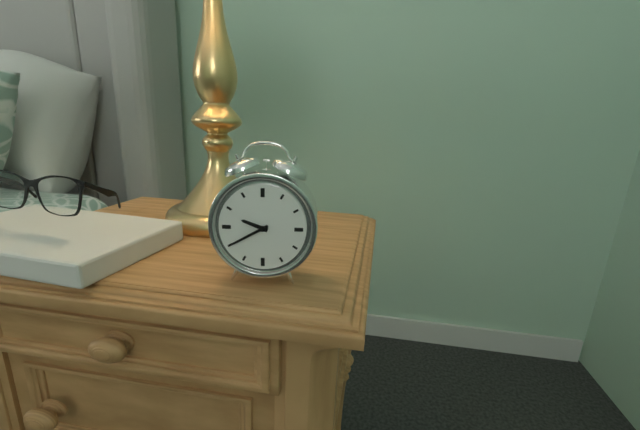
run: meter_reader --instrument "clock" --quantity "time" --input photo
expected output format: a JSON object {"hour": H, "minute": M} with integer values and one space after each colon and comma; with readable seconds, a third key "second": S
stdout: {"hour": 9, "minute": 40}
